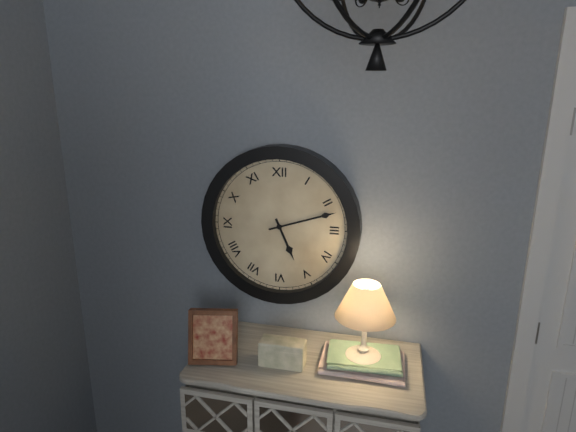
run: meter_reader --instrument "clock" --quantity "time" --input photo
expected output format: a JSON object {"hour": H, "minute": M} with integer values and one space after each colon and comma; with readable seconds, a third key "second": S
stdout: {"hour": 5, "minute": 12}
